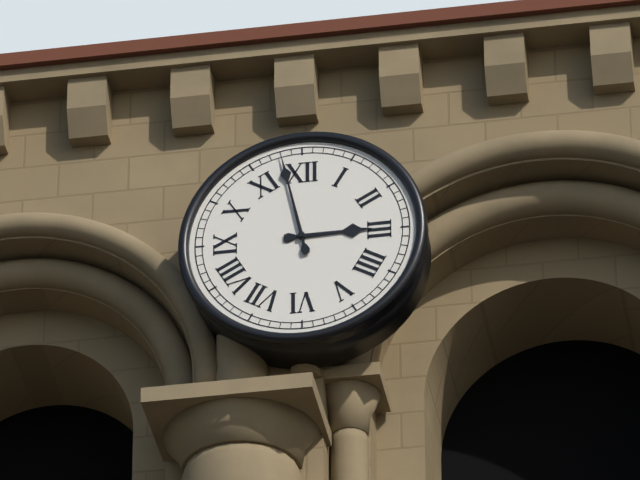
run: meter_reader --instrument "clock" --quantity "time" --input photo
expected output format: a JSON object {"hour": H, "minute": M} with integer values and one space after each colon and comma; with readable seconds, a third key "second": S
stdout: {"hour": 2, "minute": 58}
